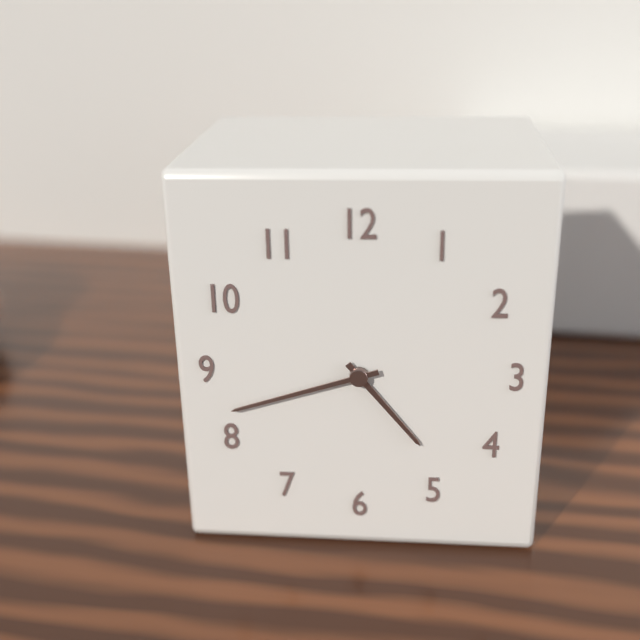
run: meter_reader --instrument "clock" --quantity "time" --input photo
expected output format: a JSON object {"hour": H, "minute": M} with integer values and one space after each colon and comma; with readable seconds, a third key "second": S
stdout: {"hour": 4, "minute": 42}
